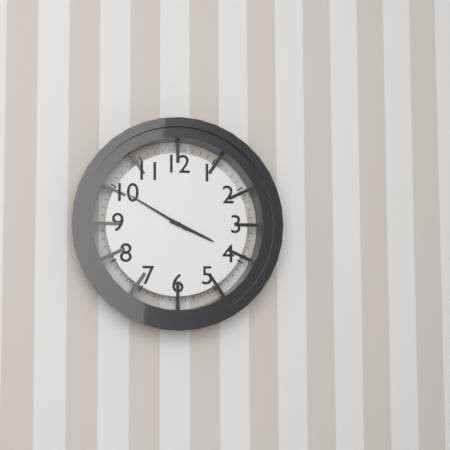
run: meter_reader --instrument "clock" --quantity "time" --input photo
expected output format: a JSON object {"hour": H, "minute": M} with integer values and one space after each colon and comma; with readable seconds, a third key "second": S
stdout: {"hour": 3, "minute": 50}
